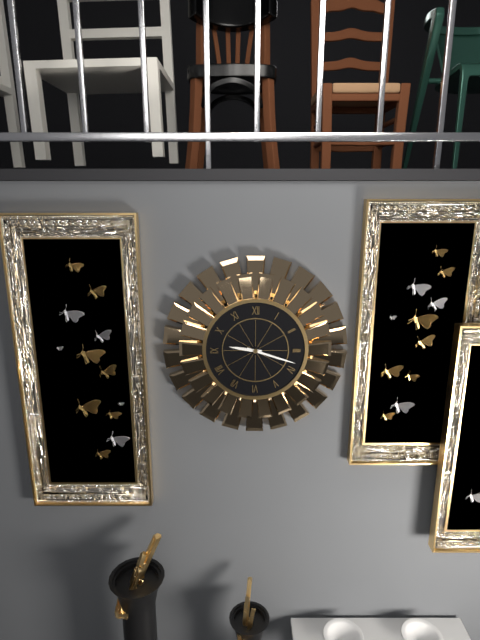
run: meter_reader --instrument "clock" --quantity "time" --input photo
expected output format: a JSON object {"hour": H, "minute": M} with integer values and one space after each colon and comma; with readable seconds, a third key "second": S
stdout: {"hour": 9, "minute": 18}
